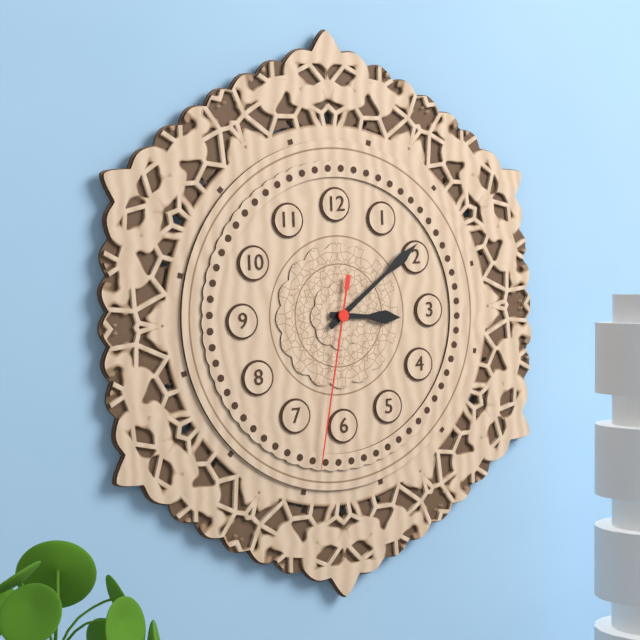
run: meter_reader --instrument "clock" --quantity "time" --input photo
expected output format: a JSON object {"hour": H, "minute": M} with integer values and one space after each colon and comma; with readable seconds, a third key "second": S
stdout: {"hour": 3, "minute": 9, "second": 32}
